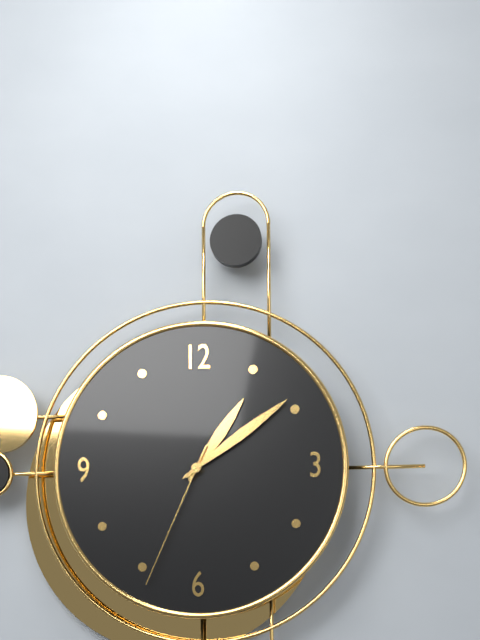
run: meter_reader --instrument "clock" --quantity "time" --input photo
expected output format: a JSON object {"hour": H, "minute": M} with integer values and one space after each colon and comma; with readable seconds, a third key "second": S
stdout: {"hour": 1, "minute": 9, "second": 34}
